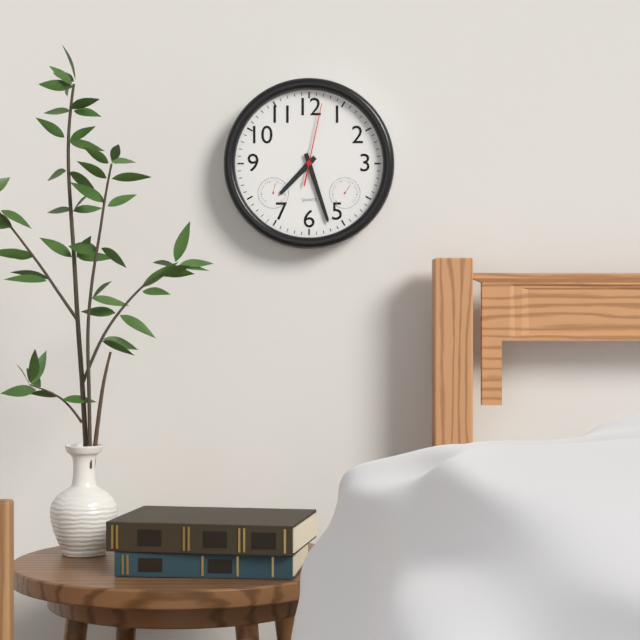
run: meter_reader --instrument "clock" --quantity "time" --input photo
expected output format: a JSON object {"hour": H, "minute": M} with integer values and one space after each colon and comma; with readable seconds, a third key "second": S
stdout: {"hour": 7, "minute": 27, "second": 2}
